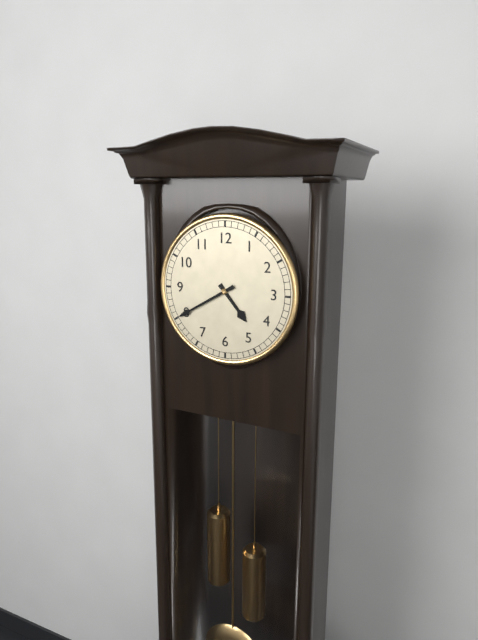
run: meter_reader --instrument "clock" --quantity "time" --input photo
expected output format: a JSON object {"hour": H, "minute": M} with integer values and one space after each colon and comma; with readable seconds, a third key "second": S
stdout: {"hour": 4, "minute": 40}
